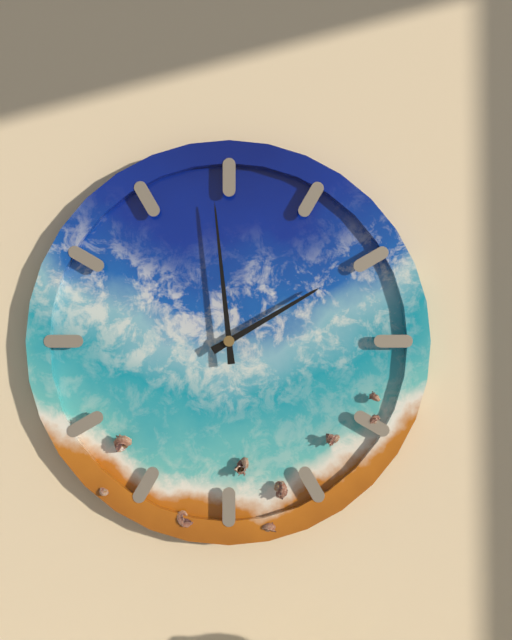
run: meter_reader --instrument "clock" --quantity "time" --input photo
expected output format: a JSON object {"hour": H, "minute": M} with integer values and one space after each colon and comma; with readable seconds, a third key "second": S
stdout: {"hour": 1, "minute": 59}
